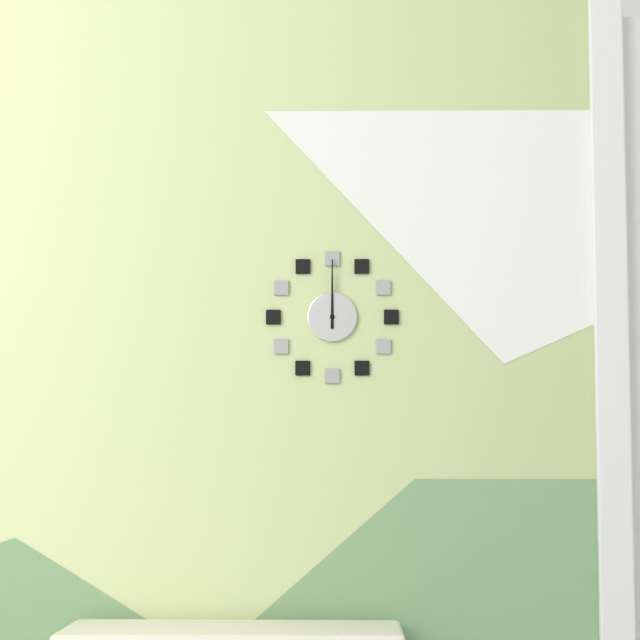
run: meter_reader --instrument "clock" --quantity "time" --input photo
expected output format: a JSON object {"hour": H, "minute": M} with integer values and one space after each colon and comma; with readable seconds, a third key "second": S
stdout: {"hour": 12, "minute": 0}
